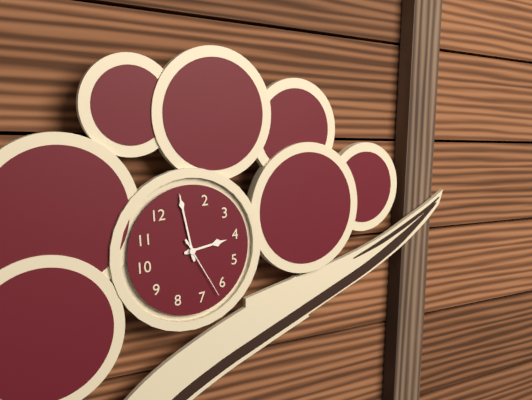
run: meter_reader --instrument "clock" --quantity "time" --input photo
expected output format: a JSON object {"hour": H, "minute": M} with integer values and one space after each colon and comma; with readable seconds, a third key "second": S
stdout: {"hour": 4, "minute": 5, "second": 32}
